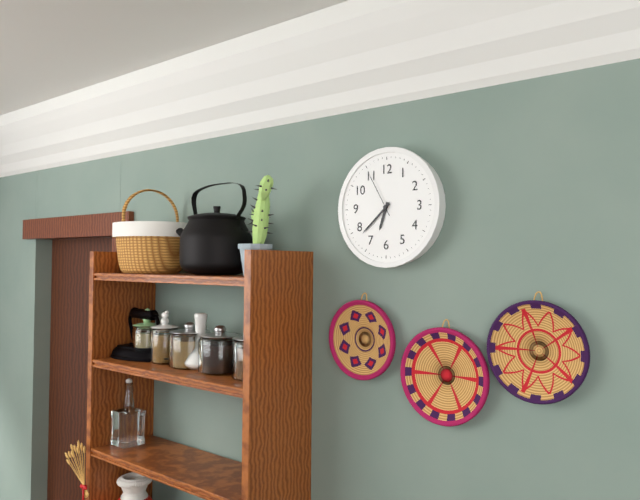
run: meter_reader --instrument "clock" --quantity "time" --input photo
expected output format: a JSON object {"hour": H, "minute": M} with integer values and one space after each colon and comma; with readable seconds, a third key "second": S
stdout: {"hour": 6, "minute": 38}
